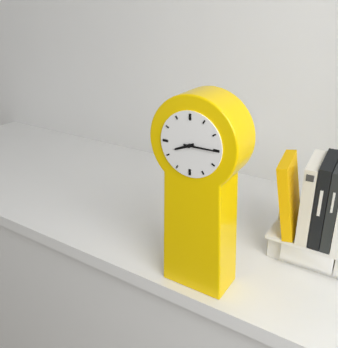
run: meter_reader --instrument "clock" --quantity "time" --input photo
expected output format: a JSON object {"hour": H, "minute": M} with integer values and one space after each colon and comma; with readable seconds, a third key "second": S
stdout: {"hour": 8, "minute": 15}
